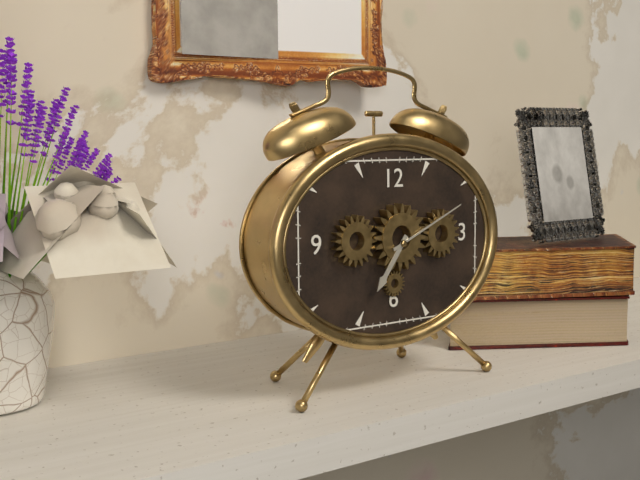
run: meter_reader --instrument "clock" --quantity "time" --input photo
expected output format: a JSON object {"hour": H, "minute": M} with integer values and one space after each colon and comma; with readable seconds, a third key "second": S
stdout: {"hour": 7, "minute": 11}
